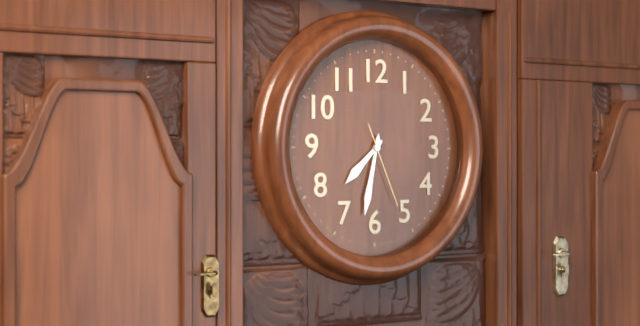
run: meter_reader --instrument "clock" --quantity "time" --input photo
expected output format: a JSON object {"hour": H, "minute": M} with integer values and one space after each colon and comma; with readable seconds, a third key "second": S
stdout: {"hour": 7, "minute": 32, "second": 26}
